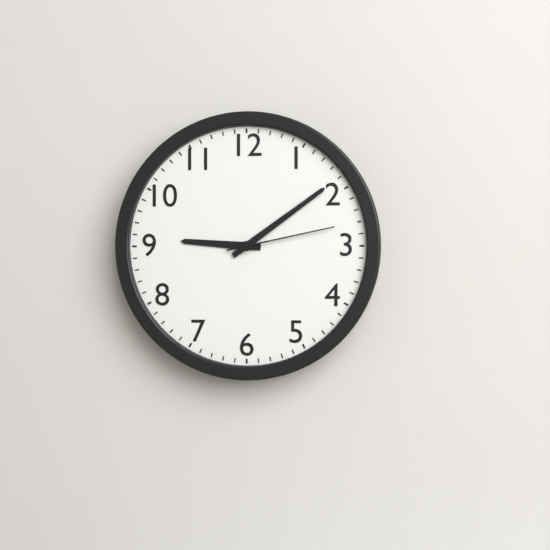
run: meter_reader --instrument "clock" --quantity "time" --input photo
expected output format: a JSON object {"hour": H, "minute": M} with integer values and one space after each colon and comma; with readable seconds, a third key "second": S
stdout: {"hour": 9, "minute": 9, "second": 13}
